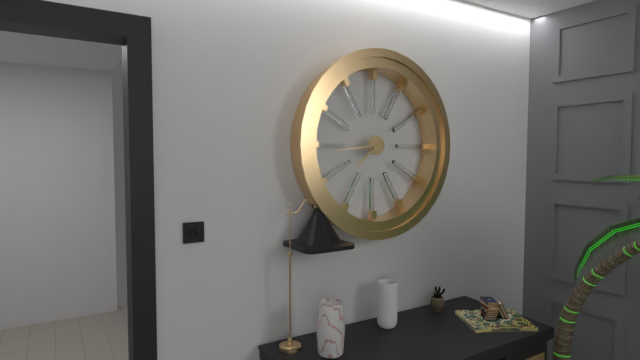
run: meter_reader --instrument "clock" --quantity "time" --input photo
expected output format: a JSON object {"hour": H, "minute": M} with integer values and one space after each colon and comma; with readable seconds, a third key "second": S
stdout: {"hour": 7, "minute": 44}
